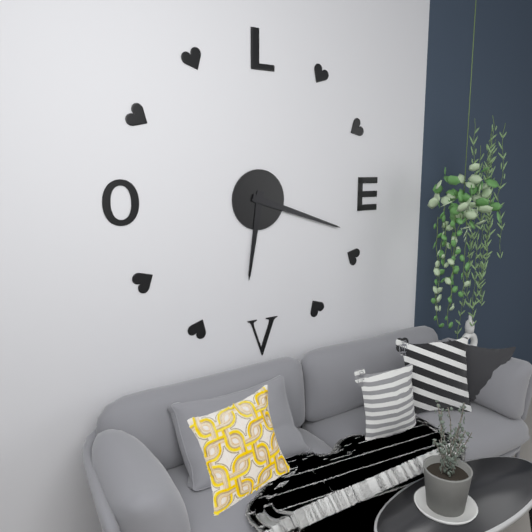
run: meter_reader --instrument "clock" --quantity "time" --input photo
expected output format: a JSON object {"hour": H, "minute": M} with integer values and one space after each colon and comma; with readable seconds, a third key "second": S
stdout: {"hour": 6, "minute": 18}
